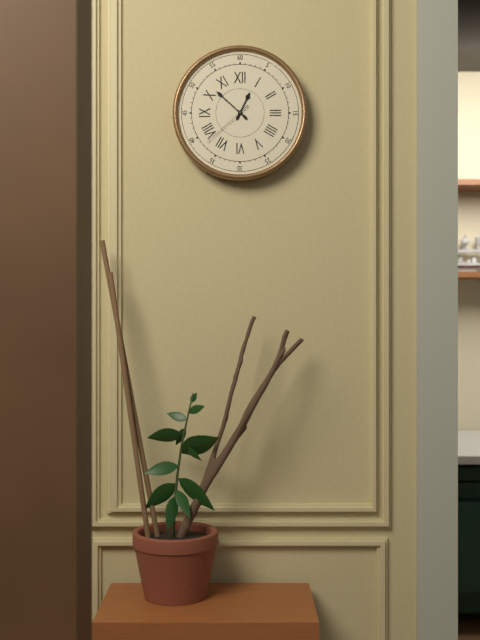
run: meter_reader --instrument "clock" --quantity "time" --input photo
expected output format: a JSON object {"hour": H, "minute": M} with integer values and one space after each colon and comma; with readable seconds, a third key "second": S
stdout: {"hour": 12, "minute": 52, "second": 38}
